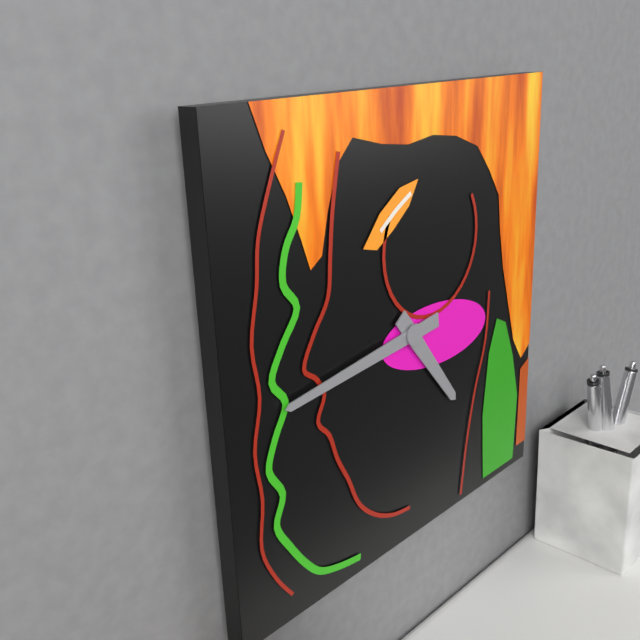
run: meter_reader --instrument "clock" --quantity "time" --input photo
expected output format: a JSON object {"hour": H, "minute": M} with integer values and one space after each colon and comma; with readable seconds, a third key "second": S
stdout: {"hour": 4, "minute": 44}
